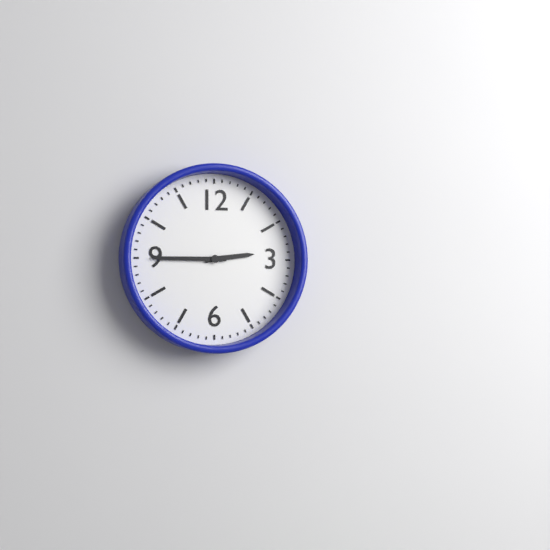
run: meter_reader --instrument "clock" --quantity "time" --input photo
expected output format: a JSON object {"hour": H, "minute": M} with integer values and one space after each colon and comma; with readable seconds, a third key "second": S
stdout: {"hour": 2, "minute": 45}
